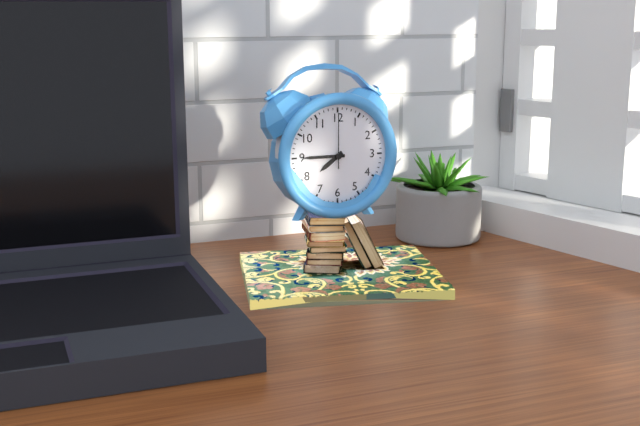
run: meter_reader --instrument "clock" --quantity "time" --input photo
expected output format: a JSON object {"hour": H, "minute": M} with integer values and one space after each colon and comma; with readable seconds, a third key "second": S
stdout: {"hour": 7, "minute": 45, "second": 0}
